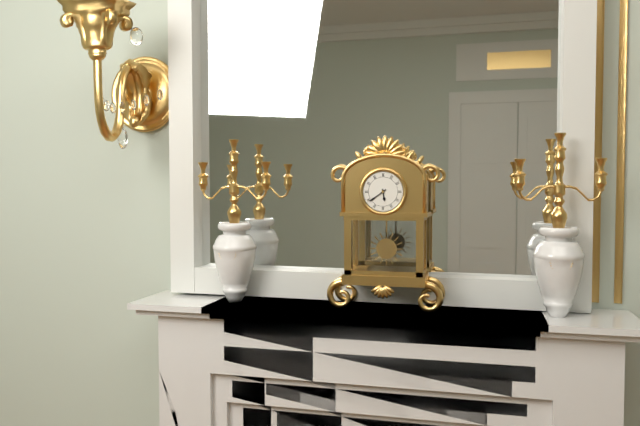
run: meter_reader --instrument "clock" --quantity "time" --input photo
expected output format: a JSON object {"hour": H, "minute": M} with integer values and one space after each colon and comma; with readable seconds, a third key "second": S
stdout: {"hour": 5, "minute": 39}
